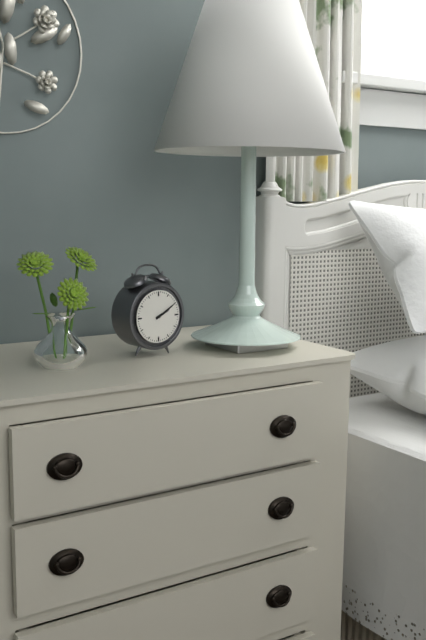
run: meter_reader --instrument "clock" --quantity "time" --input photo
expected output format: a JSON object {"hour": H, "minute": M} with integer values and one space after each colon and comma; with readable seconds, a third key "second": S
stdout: {"hour": 2, "minute": 10}
